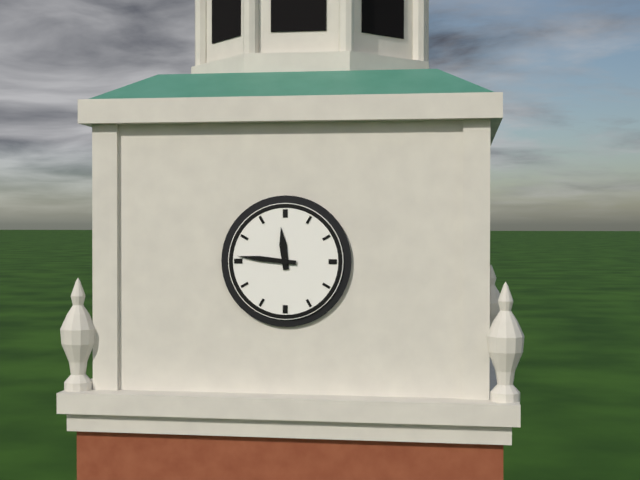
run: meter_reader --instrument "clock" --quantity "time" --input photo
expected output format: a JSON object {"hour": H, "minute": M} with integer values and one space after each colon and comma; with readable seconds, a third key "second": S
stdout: {"hour": 11, "minute": 46}
